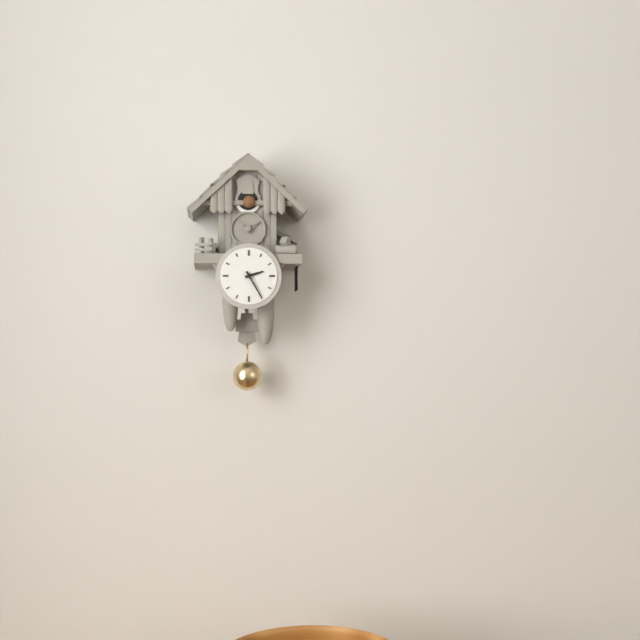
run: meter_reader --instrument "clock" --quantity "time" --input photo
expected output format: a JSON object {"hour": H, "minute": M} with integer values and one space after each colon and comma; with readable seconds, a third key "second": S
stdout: {"hour": 2, "minute": 25}
